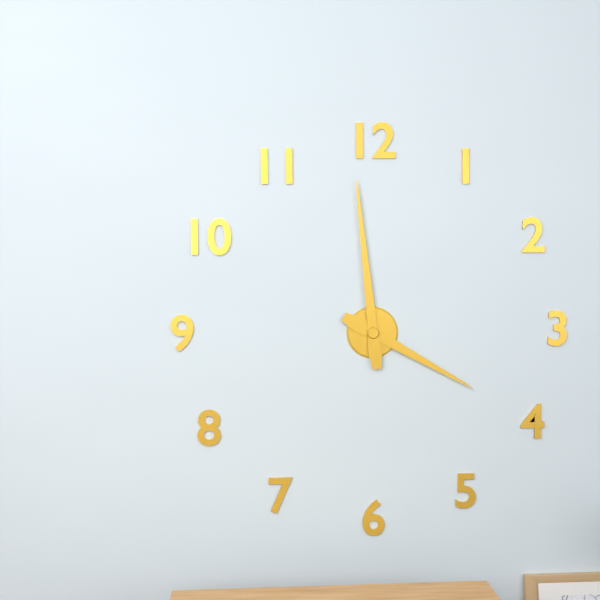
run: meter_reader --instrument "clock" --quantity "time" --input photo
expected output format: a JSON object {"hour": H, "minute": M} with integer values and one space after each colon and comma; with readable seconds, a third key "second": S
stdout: {"hour": 3, "minute": 59}
